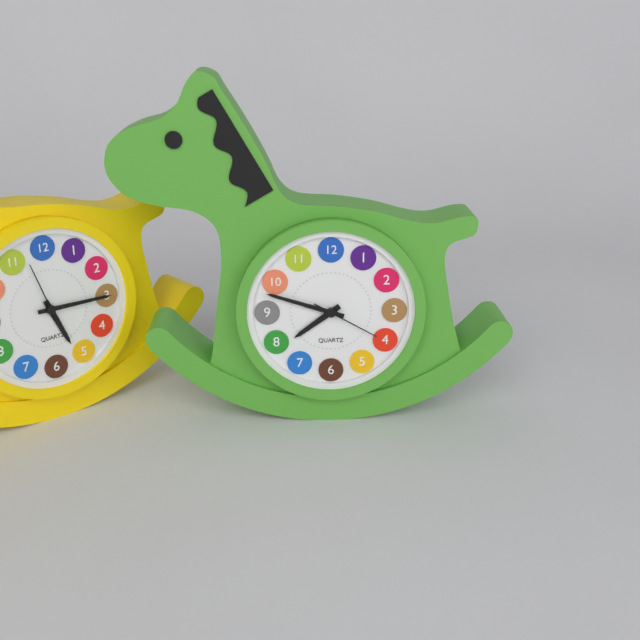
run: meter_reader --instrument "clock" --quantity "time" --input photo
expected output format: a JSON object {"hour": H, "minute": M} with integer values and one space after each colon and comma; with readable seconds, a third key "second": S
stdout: {"hour": 7, "minute": 48, "second": 20}
